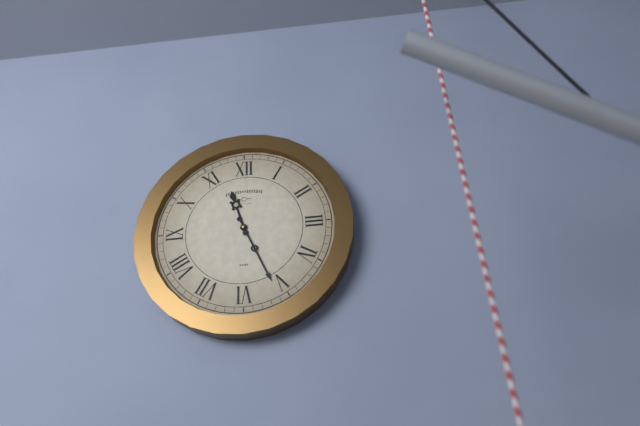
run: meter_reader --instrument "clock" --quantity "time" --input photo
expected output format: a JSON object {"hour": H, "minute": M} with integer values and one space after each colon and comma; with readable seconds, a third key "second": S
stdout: {"hour": 11, "minute": 26}
